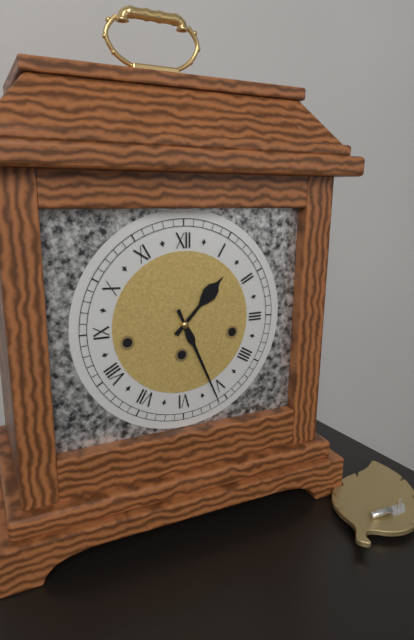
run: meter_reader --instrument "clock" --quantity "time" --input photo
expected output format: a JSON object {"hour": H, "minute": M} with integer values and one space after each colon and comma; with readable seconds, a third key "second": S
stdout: {"hour": 1, "minute": 26}
